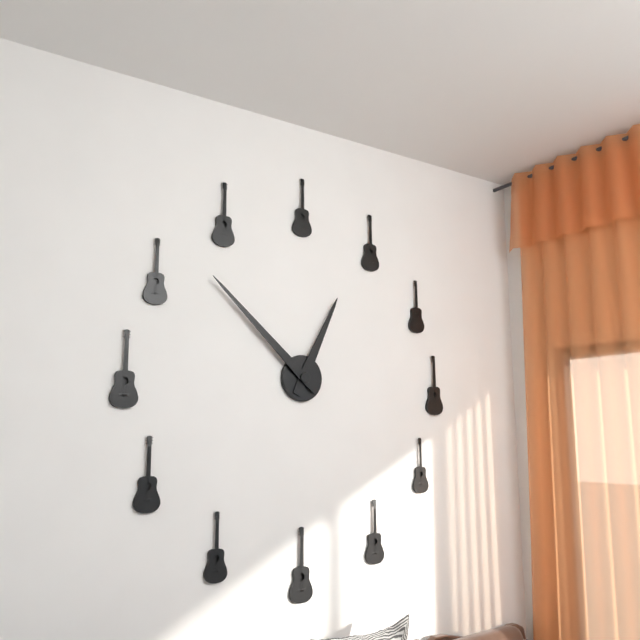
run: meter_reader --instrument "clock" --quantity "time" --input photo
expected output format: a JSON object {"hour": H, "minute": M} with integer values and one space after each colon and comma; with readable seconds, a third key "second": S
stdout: {"hour": 12, "minute": 52}
